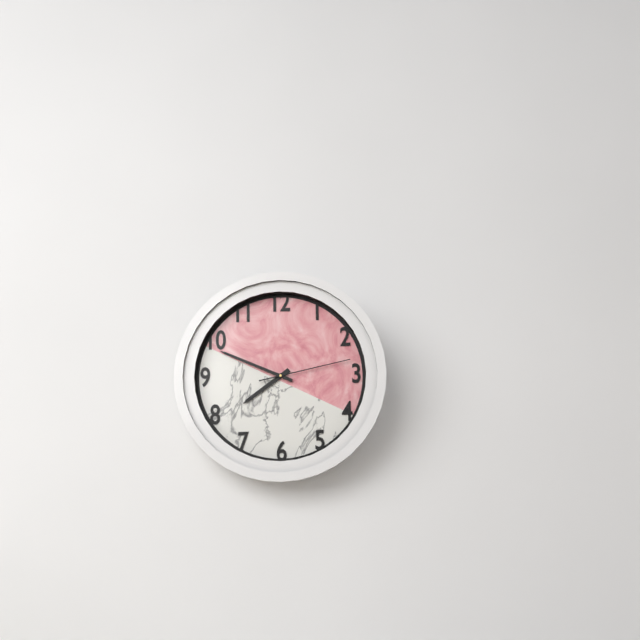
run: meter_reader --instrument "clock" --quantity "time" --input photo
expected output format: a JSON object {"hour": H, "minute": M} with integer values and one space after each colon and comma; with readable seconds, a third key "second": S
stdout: {"hour": 7, "minute": 49, "second": 13}
